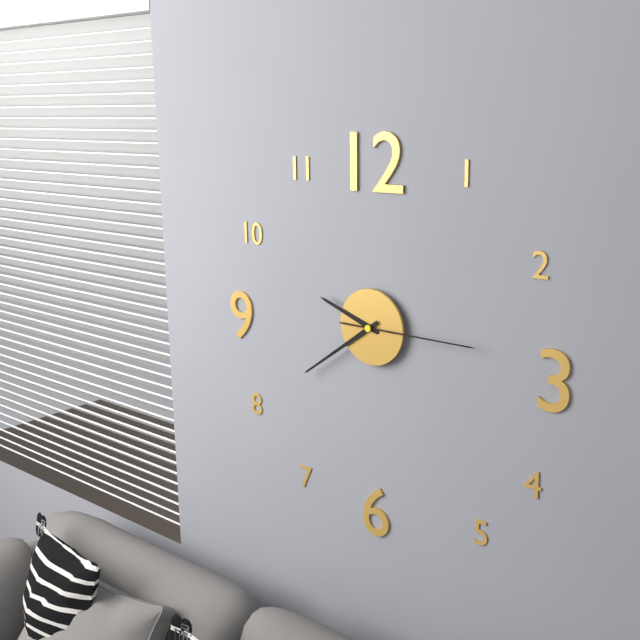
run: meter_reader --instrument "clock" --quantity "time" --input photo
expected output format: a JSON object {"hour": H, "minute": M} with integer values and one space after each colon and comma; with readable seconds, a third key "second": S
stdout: {"hour": 9, "minute": 39, "second": 15}
